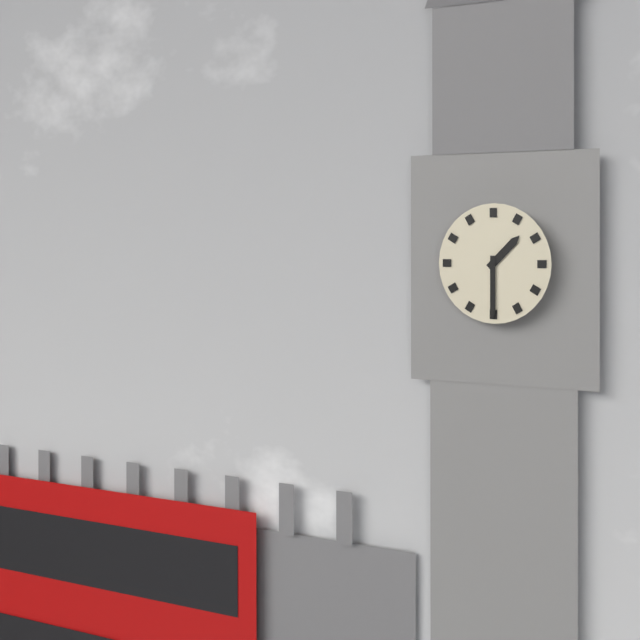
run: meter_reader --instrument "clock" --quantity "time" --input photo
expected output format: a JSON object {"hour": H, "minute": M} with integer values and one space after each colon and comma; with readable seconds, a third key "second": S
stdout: {"hour": 1, "minute": 30}
